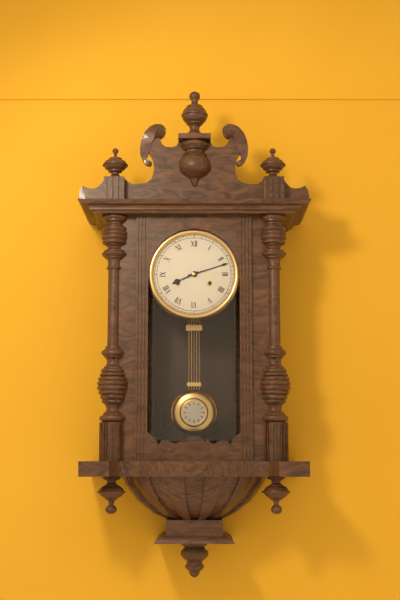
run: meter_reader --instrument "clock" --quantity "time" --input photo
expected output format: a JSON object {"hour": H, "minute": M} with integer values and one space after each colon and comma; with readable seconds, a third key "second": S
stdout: {"hour": 8, "minute": 12}
